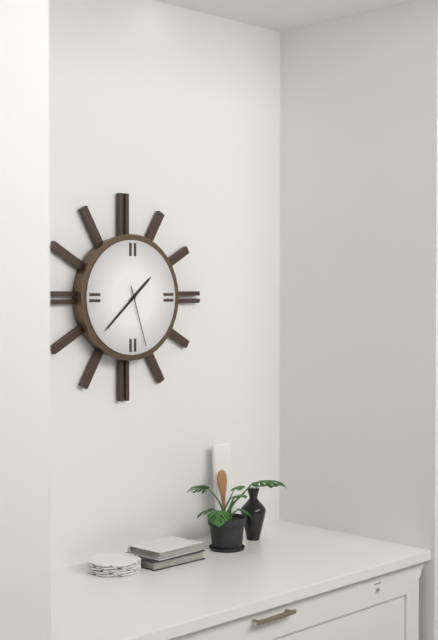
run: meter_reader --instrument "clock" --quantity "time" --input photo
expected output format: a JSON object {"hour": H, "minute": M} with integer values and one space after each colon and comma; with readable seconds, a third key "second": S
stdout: {"hour": 1, "minute": 38, "second": 27}
